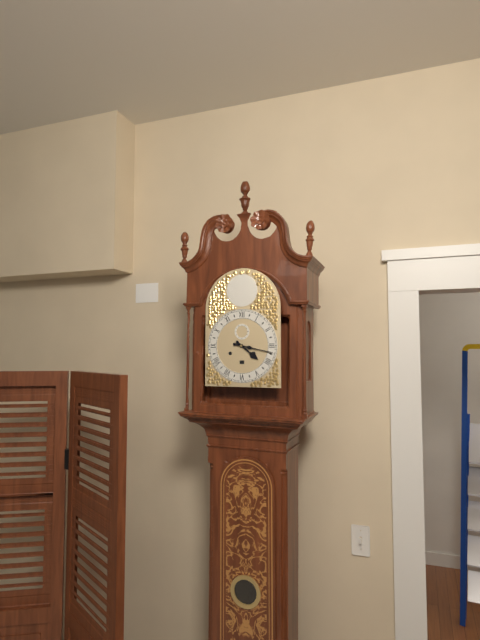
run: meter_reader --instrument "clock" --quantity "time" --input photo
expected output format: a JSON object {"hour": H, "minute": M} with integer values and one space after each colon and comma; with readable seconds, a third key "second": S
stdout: {"hour": 4, "minute": 17}
